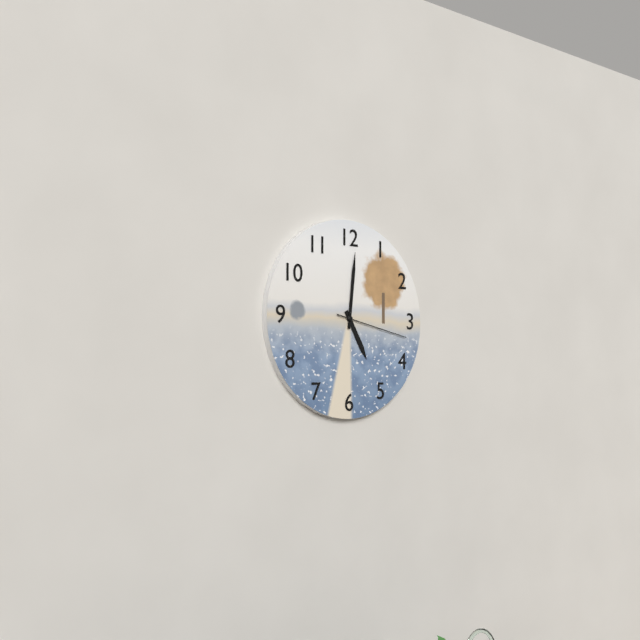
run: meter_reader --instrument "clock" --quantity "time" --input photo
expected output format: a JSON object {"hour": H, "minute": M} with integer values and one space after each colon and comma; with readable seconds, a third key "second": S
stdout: {"hour": 5, "minute": 1, "second": 17}
